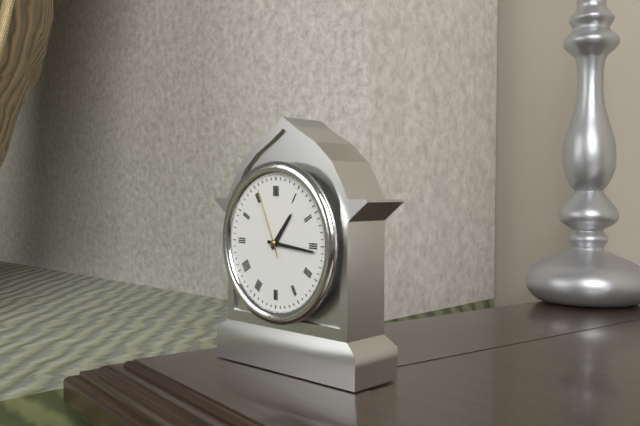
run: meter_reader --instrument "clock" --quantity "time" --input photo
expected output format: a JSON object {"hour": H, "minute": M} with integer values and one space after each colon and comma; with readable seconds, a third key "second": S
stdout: {"hour": 1, "minute": 16, "second": 56}
